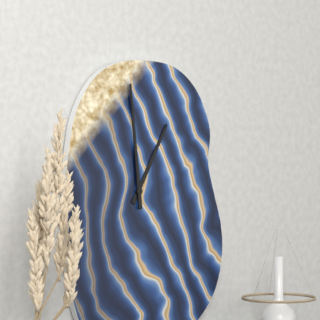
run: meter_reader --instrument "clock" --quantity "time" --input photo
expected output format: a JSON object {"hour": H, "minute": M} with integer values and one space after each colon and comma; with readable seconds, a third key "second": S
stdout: {"hour": 12, "minute": 59}
